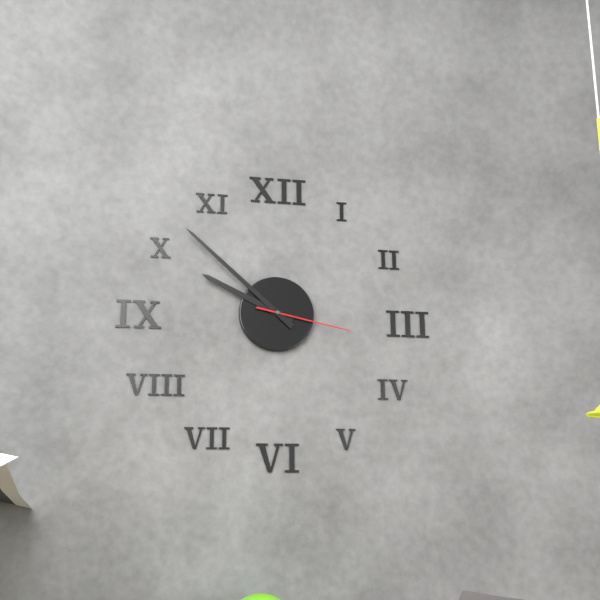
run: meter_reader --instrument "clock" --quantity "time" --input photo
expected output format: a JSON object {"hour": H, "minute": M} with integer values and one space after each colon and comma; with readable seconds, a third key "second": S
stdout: {"hour": 9, "minute": 52, "second": 17}
